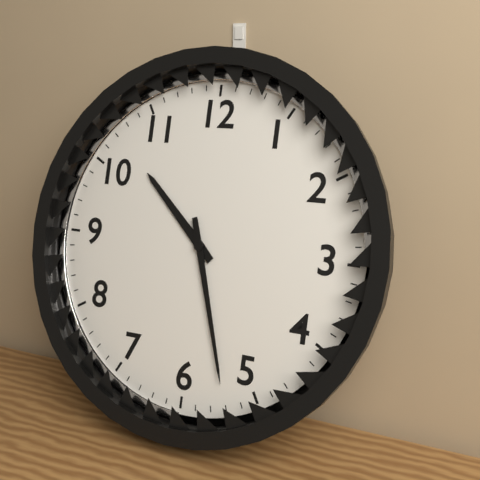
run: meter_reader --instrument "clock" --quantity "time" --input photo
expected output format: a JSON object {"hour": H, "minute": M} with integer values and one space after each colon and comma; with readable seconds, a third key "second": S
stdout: {"hour": 10, "minute": 27}
